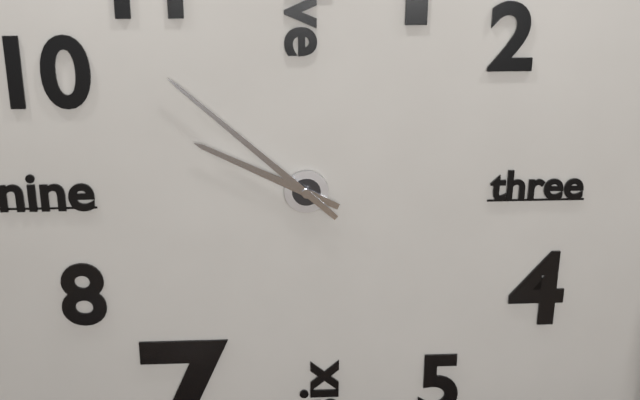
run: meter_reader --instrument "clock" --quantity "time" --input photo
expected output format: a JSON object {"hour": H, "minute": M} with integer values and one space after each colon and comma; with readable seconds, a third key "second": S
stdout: {"hour": 9, "minute": 52}
